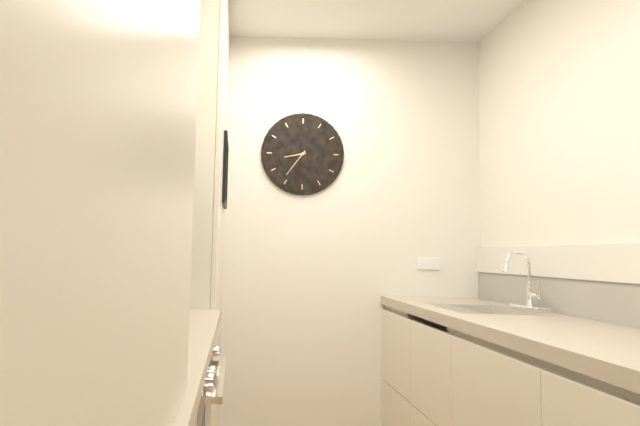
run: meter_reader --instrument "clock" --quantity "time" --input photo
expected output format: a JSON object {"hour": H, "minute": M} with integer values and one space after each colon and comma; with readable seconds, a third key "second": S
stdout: {"hour": 8, "minute": 36}
